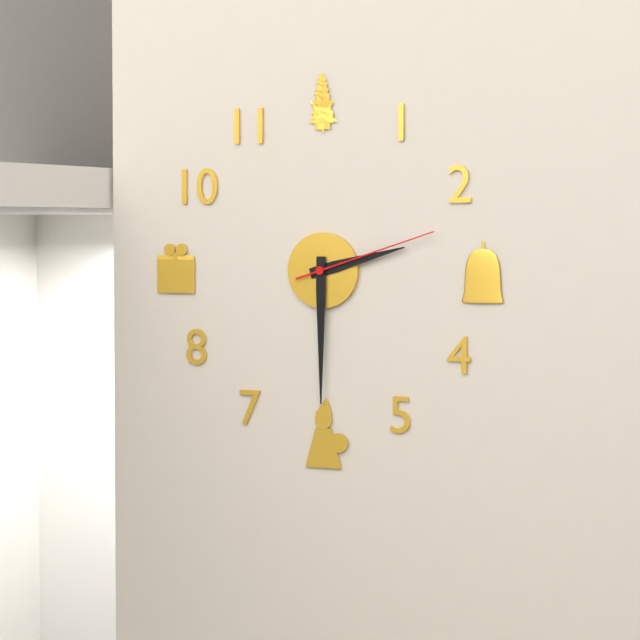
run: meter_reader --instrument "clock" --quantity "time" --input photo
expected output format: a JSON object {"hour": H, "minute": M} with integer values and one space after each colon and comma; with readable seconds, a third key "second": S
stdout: {"hour": 2, "minute": 30, "second": 12}
